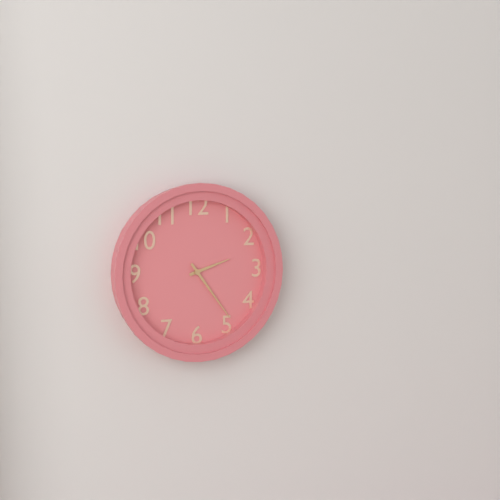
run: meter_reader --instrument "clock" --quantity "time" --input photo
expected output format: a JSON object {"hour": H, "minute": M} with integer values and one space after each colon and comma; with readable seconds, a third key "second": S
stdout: {"hour": 2, "minute": 24}
